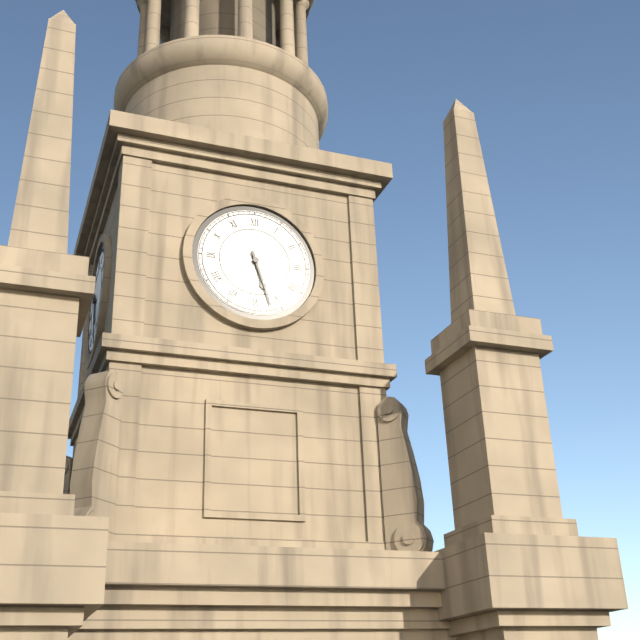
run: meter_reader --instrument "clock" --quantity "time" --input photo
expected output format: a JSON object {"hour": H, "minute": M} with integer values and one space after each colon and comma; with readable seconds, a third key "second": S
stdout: {"hour": 5, "minute": 27}
